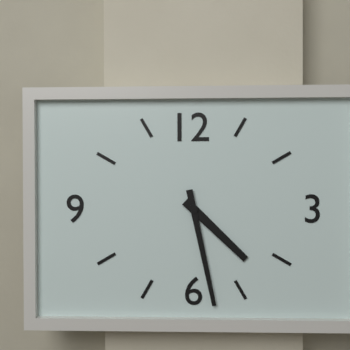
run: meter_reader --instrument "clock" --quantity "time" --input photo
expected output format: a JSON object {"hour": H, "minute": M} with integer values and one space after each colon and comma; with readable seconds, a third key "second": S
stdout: {"hour": 4, "minute": 28}
